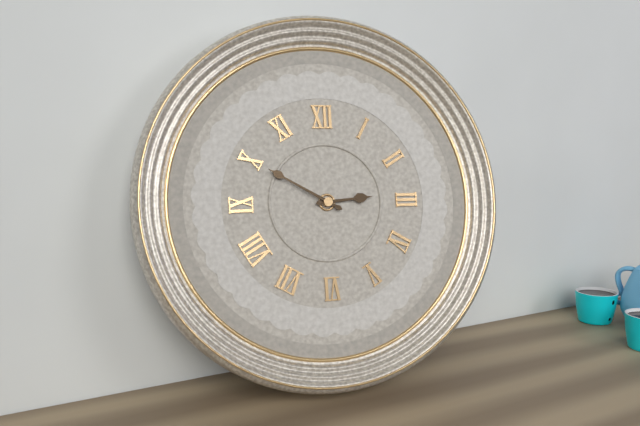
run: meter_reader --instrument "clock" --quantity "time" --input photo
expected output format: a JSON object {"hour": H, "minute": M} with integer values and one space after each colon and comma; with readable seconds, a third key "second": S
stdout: {"hour": 2, "minute": 50}
